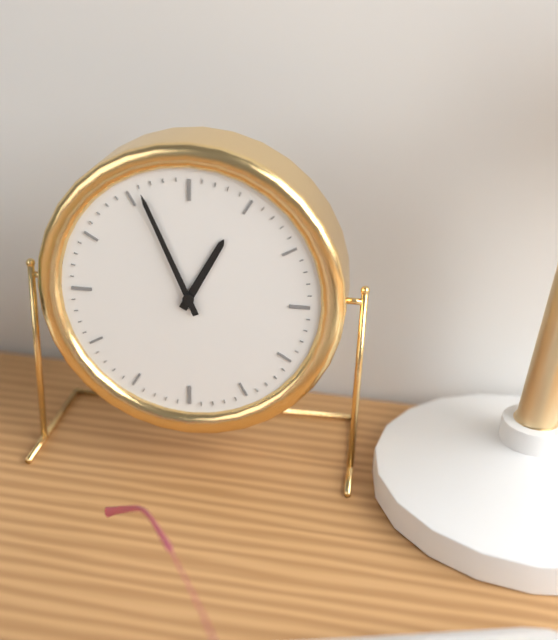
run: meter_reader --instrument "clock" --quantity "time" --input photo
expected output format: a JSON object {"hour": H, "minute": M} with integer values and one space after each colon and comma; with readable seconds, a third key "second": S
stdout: {"hour": 12, "minute": 56}
